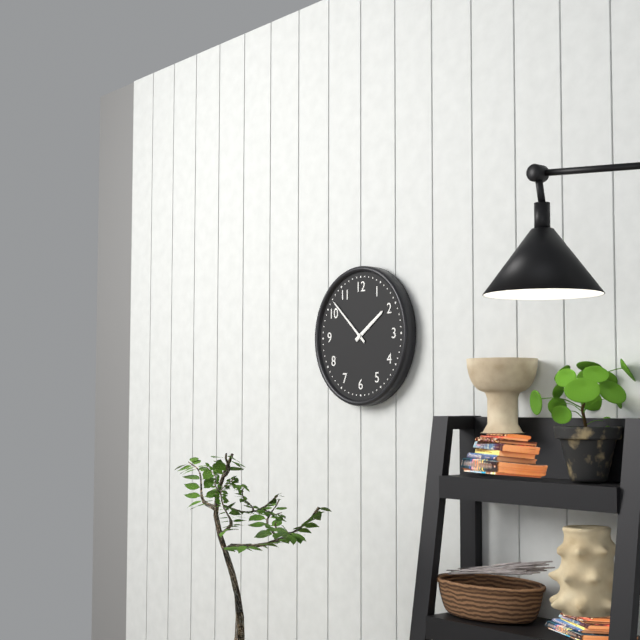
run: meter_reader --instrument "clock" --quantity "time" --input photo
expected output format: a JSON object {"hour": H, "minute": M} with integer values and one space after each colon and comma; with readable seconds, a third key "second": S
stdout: {"hour": 1, "minute": 52}
